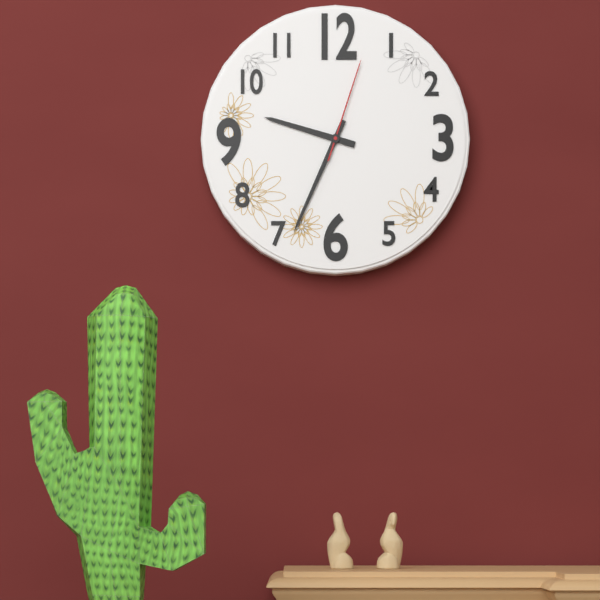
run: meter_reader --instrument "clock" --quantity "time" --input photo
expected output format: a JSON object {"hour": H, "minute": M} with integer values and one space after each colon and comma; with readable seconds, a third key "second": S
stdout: {"hour": 9, "minute": 34, "second": 3}
